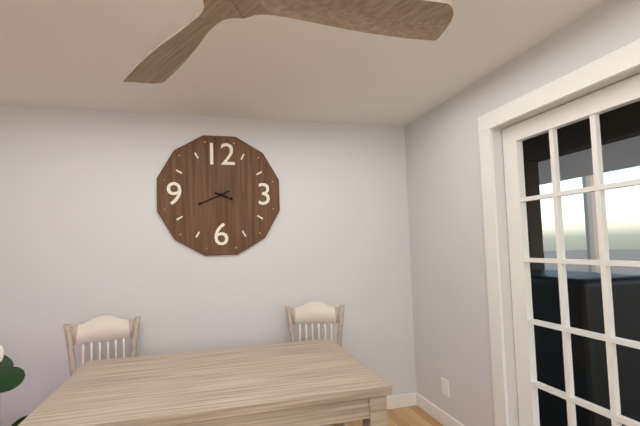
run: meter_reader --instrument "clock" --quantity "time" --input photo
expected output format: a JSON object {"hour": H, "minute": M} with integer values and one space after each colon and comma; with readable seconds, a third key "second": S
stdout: {"hour": 3, "minute": 41}
